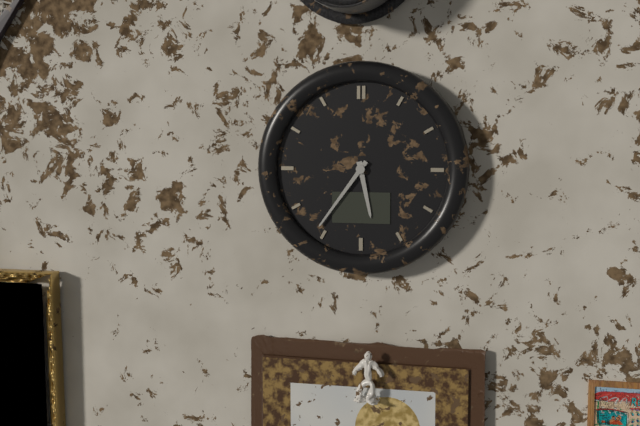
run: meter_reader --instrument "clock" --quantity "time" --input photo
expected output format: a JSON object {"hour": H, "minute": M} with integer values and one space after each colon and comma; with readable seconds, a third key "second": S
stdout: {"hour": 5, "minute": 36}
